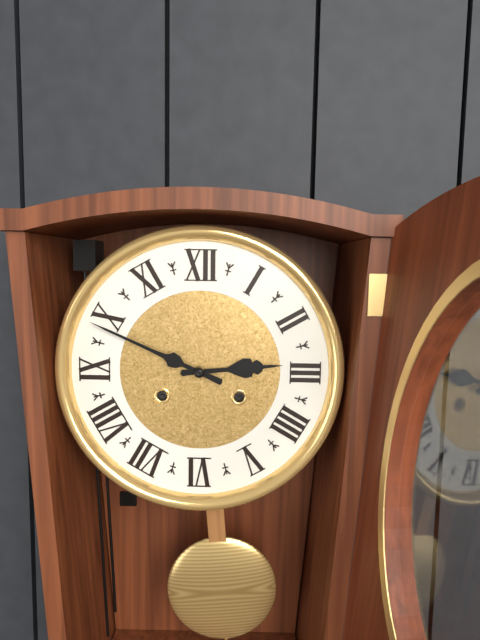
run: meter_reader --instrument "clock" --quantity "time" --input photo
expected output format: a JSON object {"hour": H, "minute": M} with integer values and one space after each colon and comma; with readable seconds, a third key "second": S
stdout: {"hour": 2, "minute": 49}
